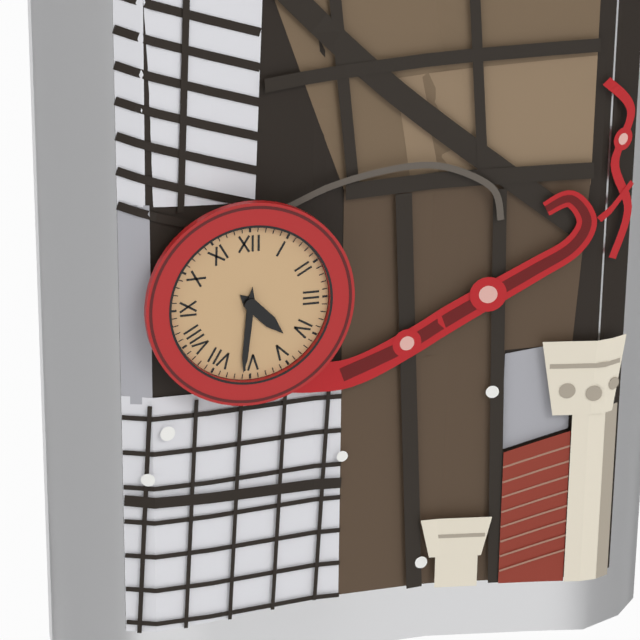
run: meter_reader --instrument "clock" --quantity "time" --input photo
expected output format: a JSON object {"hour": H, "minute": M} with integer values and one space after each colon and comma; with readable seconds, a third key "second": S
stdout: {"hour": 4, "minute": 31}
